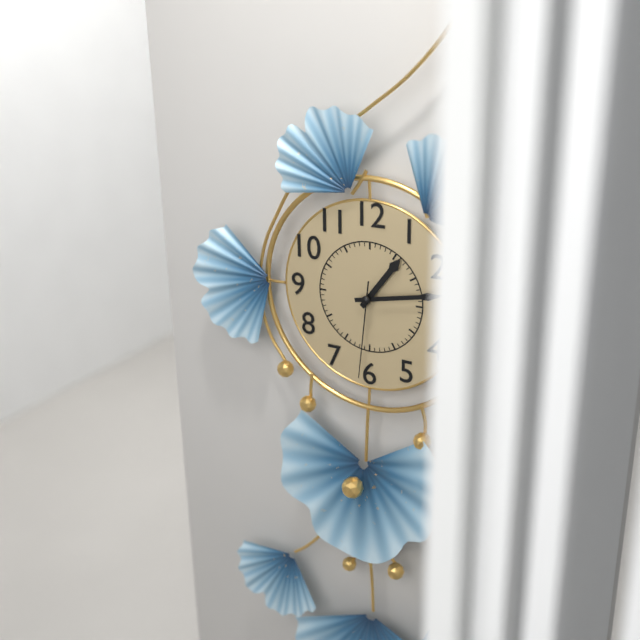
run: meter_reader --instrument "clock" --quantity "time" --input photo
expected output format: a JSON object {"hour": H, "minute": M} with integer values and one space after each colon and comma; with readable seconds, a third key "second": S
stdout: {"hour": 1, "minute": 13, "second": 31}
